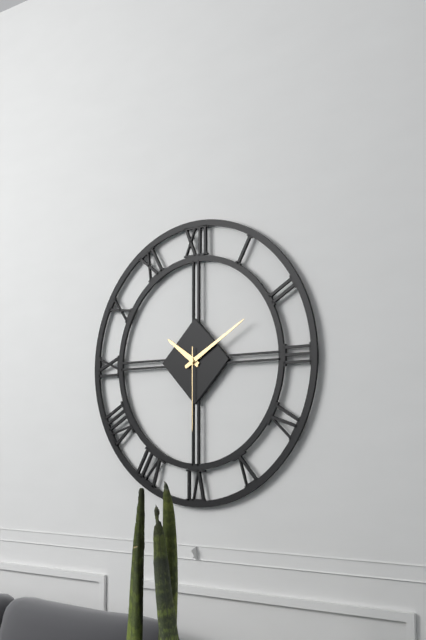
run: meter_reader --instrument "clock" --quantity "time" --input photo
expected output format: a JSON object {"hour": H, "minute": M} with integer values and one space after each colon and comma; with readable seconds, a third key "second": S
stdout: {"hour": 10, "minute": 10, "second": 30}
